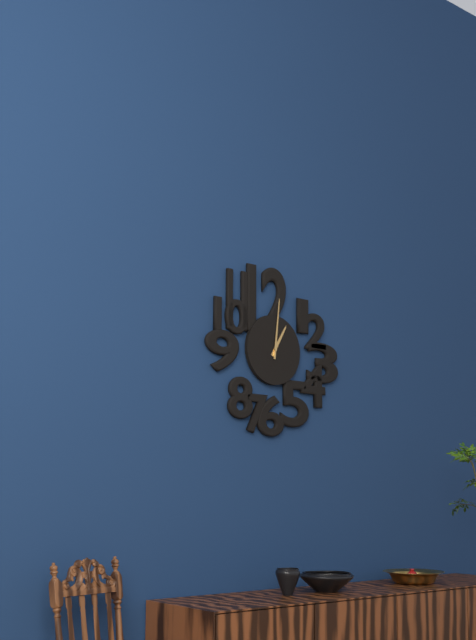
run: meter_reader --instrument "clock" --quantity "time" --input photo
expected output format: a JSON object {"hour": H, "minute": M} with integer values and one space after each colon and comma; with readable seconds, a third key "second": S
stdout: {"hour": 1, "minute": 1}
